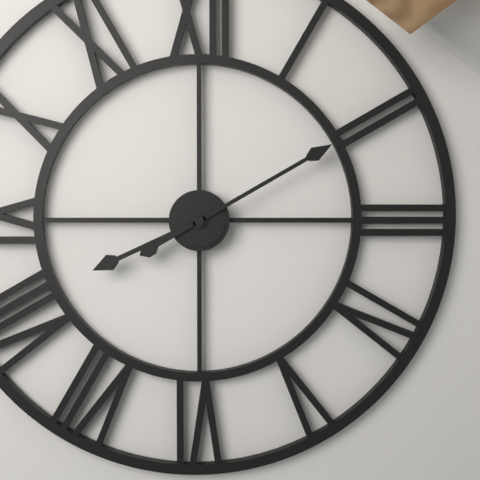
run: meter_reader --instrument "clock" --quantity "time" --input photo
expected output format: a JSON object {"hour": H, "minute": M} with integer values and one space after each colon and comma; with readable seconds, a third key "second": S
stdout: {"hour": 8, "minute": 10}
